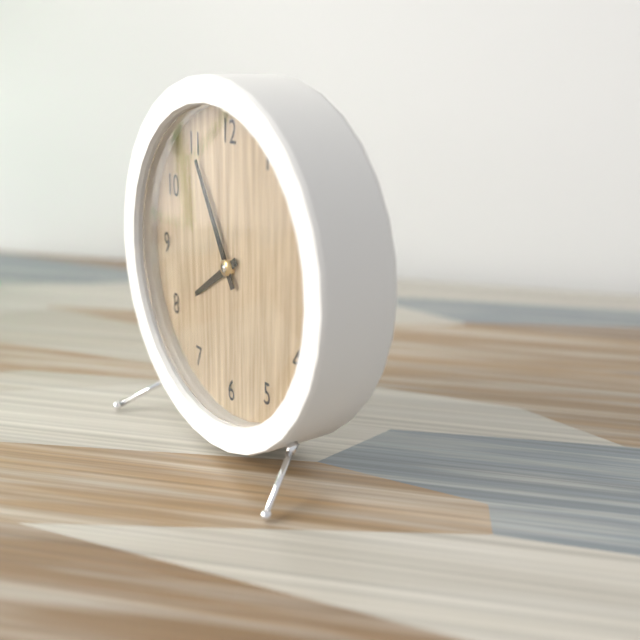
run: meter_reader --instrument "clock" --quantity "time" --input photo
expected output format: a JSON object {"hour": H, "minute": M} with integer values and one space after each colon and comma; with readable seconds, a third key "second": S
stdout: {"hour": 7, "minute": 55}
